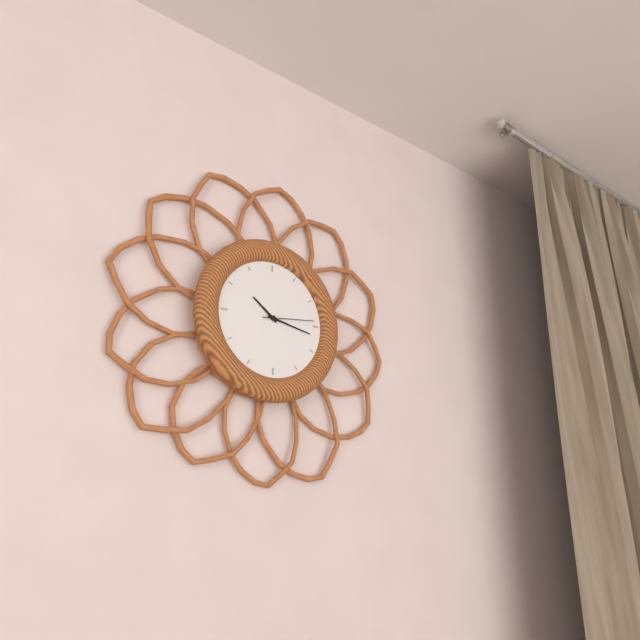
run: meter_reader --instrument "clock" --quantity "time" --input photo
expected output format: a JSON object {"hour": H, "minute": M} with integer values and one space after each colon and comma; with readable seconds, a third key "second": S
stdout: {"hour": 10, "minute": 17, "second": 14}
